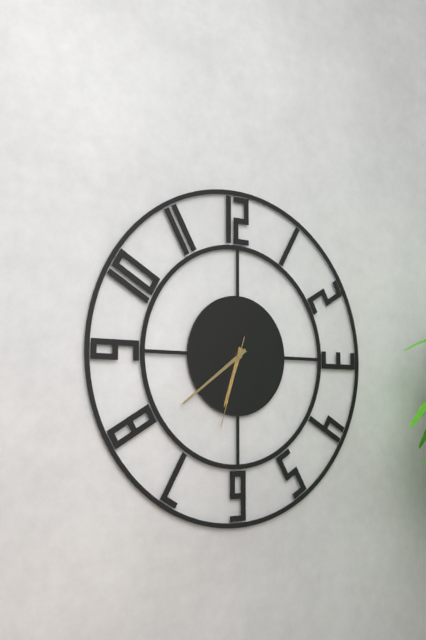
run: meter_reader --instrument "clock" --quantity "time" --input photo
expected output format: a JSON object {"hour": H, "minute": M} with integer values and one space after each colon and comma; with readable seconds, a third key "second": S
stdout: {"hour": 6, "minute": 39, "second": 33}
